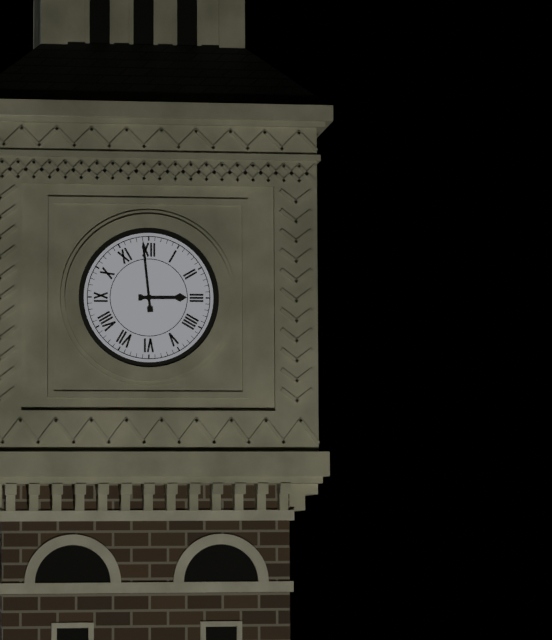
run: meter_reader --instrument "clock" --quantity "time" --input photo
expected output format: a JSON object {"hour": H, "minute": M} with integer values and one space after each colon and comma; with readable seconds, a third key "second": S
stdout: {"hour": 2, "minute": 59}
